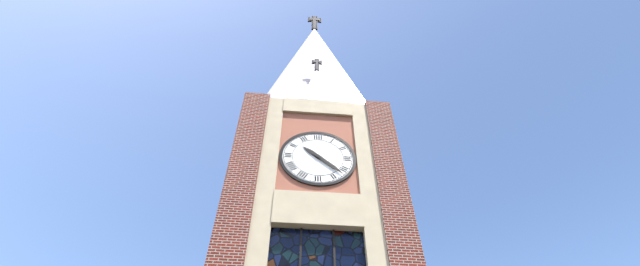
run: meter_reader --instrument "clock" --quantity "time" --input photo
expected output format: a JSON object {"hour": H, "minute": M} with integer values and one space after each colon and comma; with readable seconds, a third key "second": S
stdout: {"hour": 10, "minute": 22}
